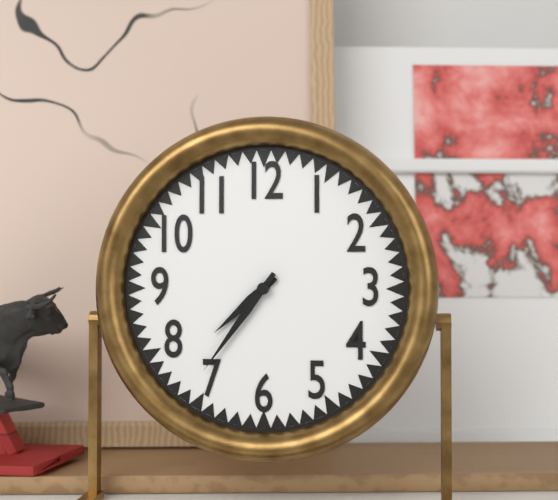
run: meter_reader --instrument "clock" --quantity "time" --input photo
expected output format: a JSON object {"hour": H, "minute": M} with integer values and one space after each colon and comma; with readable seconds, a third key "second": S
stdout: {"hour": 7, "minute": 36}
